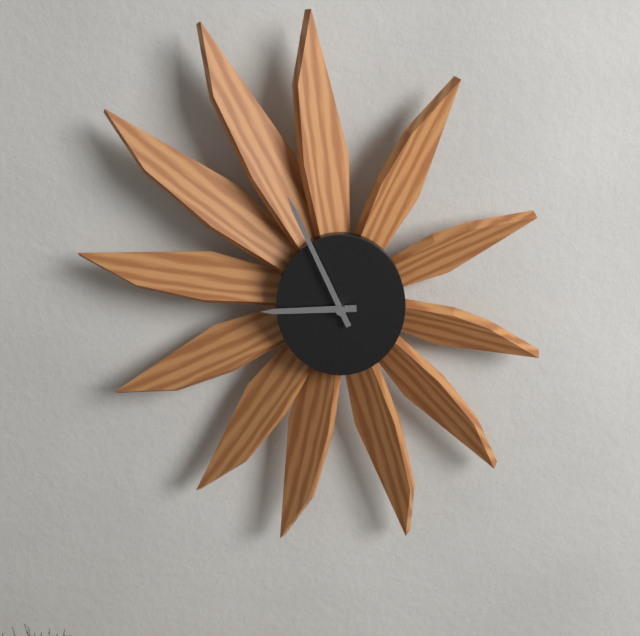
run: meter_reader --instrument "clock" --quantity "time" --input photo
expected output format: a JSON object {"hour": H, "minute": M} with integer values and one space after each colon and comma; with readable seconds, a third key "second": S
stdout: {"hour": 8, "minute": 56}
